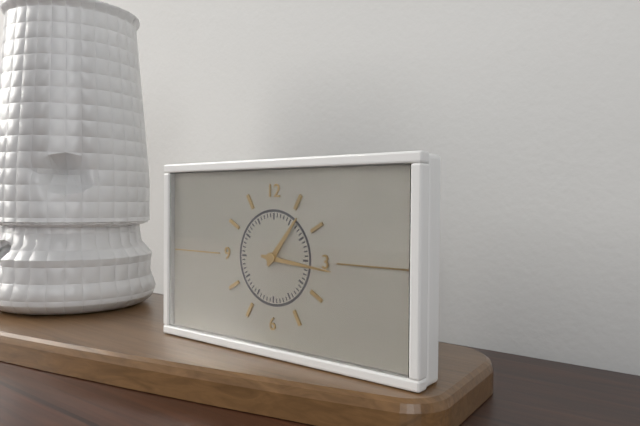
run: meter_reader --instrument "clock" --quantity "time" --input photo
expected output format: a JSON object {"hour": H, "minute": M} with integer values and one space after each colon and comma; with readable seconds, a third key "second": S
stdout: {"hour": 1, "minute": 16}
